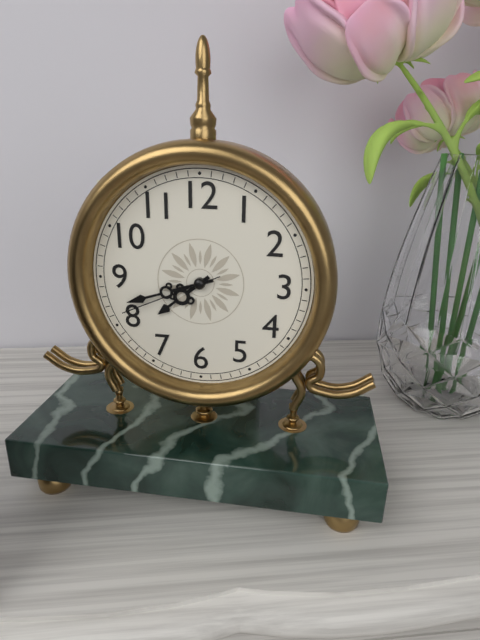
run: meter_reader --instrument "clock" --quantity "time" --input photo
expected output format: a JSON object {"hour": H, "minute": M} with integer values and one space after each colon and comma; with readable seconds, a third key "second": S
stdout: {"hour": 7, "minute": 42, "second": 41}
